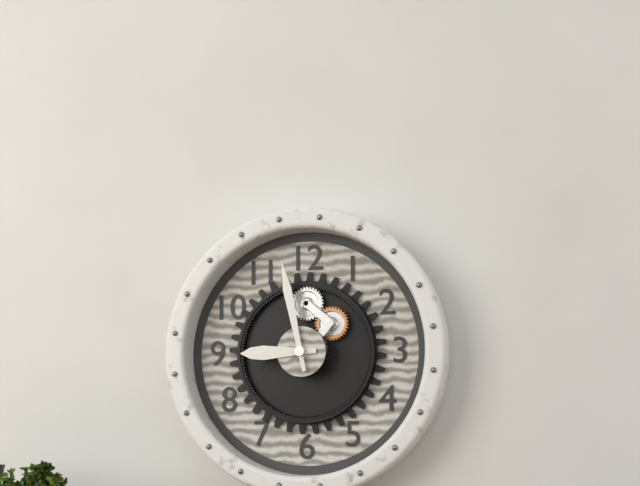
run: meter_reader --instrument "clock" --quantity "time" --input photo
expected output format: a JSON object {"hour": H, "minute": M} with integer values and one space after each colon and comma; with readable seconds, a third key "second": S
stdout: {"hour": 8, "minute": 58}
